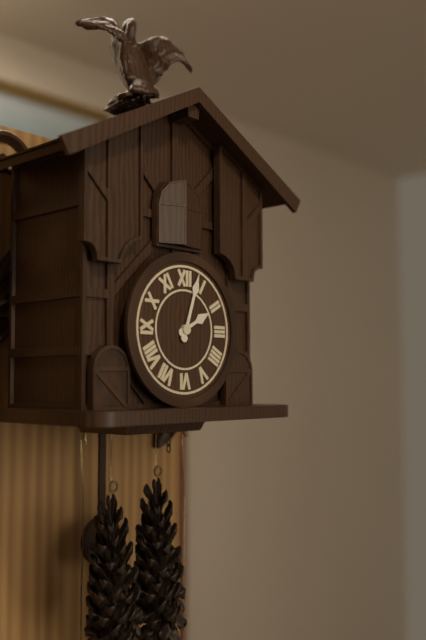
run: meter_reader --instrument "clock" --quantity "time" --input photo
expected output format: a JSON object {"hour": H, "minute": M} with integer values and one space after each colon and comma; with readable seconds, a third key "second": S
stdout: {"hour": 2, "minute": 3}
